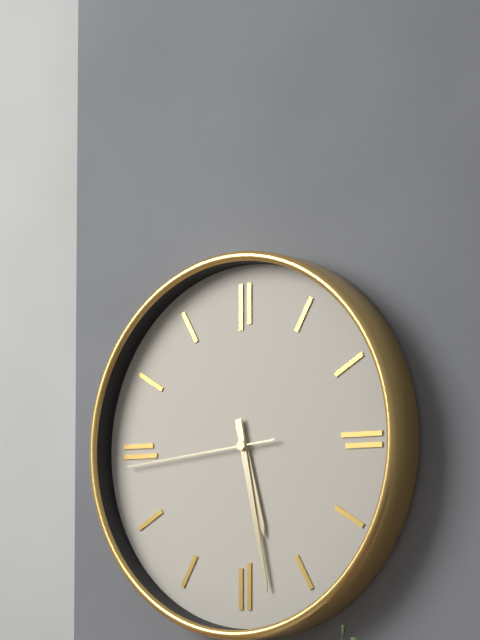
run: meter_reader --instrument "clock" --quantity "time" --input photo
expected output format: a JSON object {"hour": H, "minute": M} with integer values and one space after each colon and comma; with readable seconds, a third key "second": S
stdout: {"hour": 5, "minute": 28, "second": 44}
